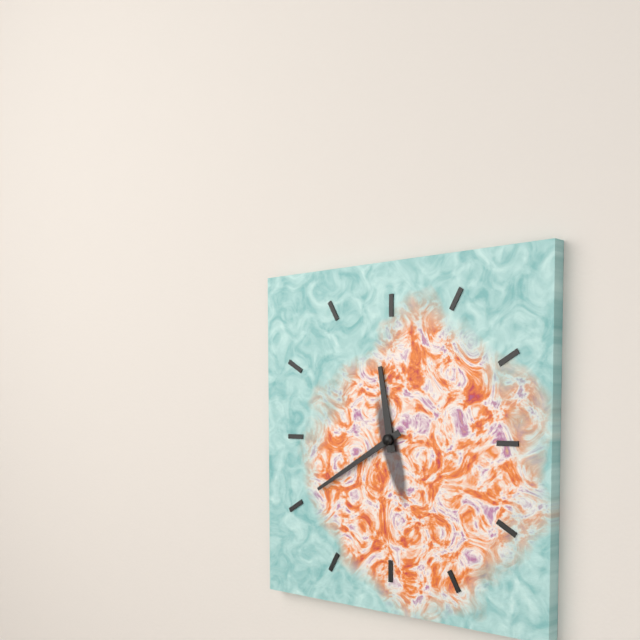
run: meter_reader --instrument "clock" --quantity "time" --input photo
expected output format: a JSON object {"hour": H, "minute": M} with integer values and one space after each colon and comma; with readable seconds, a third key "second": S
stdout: {"hour": 11, "minute": 40}
